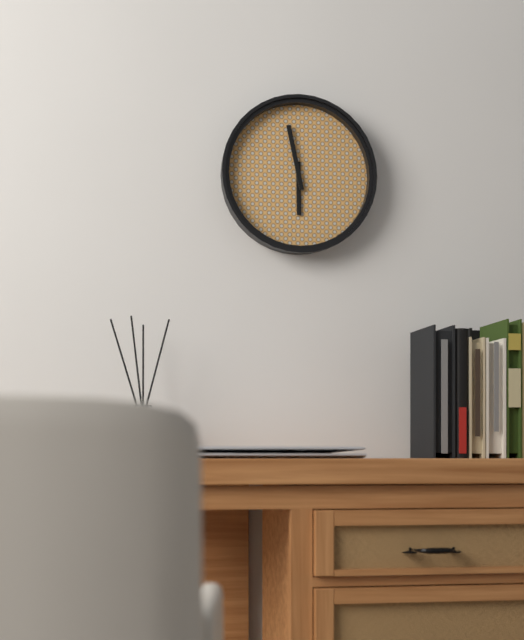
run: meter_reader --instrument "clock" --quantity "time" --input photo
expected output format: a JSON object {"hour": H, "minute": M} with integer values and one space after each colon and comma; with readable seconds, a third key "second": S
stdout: {"hour": 5, "minute": 58}
